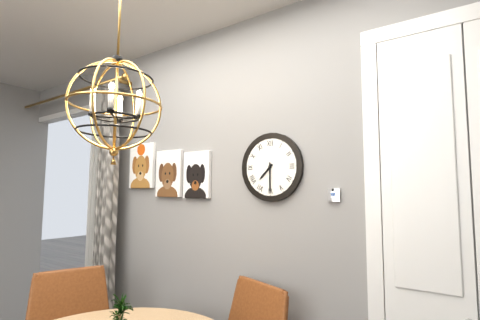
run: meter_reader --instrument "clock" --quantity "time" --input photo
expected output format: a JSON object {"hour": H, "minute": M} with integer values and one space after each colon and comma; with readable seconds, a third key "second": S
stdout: {"hour": 7, "minute": 30}
